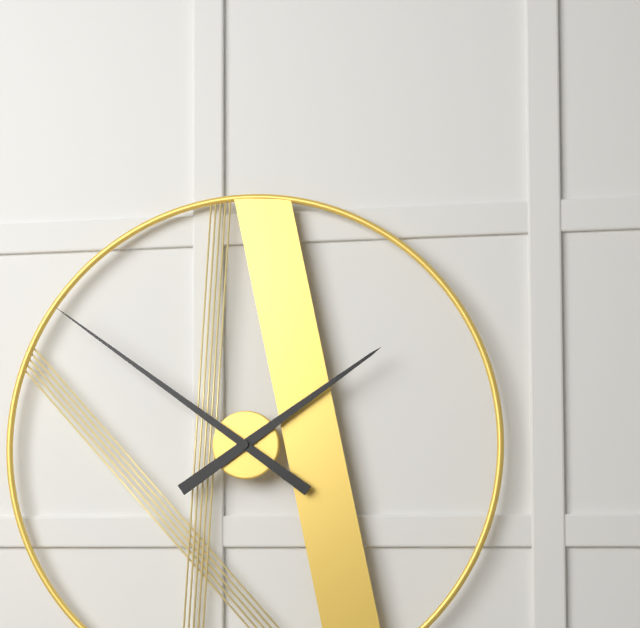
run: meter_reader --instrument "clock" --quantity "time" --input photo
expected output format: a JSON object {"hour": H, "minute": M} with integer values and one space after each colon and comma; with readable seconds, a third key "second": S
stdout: {"hour": 1, "minute": 51}
